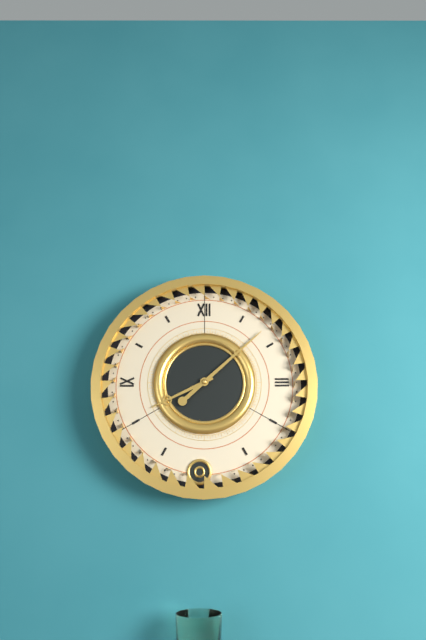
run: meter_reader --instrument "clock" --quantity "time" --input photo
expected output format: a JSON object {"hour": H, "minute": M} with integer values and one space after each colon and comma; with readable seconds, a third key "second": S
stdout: {"hour": 8, "minute": 8}
